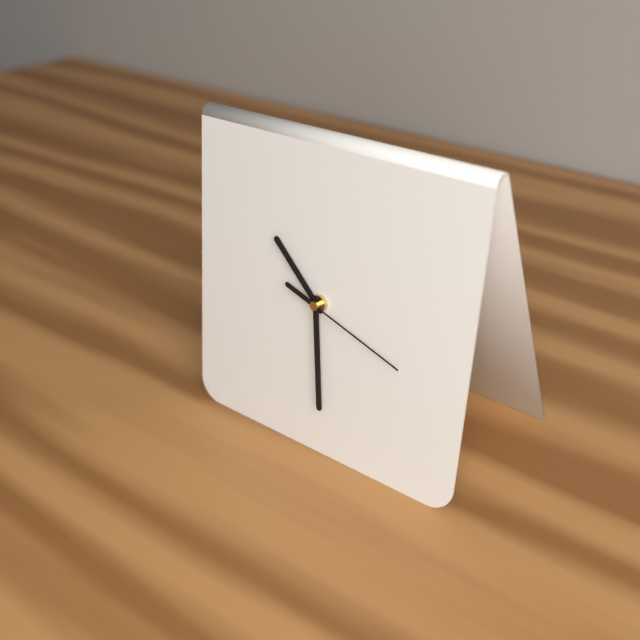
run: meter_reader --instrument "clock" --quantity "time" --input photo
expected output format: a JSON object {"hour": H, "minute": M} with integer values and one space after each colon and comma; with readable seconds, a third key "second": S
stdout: {"hour": 10, "minute": 29, "second": 18}
